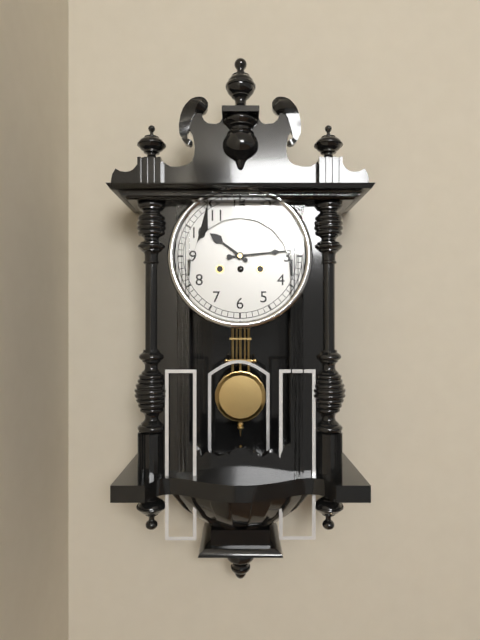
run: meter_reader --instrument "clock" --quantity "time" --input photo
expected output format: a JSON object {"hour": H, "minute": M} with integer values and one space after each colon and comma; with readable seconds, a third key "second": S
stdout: {"hour": 10, "minute": 14}
